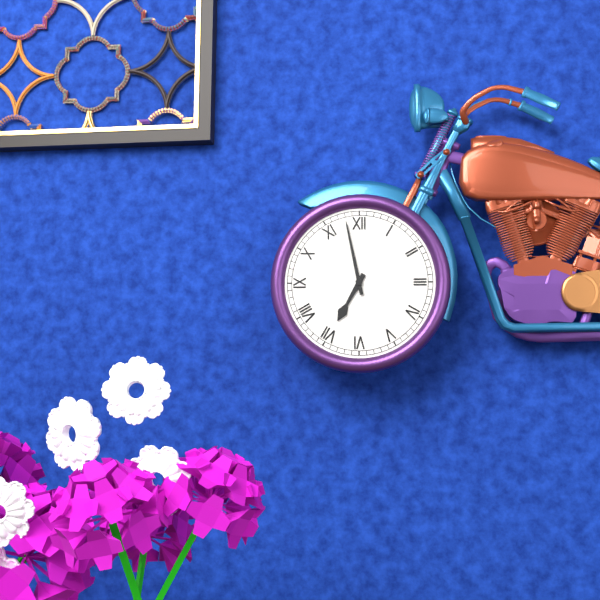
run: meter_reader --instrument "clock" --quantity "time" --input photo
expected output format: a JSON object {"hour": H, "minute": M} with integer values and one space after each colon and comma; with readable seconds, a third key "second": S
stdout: {"hour": 6, "minute": 58}
